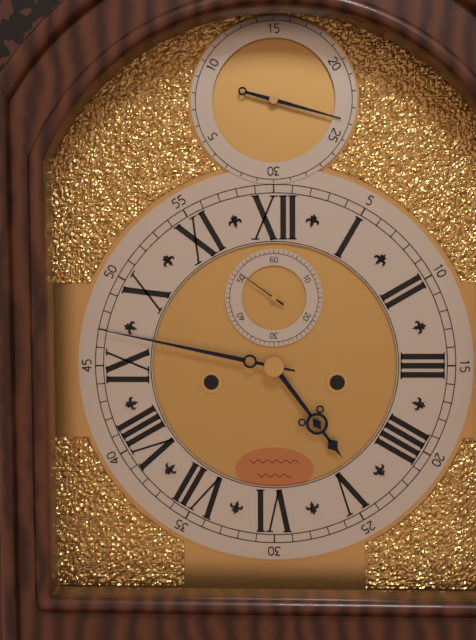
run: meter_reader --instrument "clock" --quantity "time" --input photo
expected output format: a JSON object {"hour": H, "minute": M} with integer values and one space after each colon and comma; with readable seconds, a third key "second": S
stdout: {"hour": 4, "minute": 47, "second": 51}
